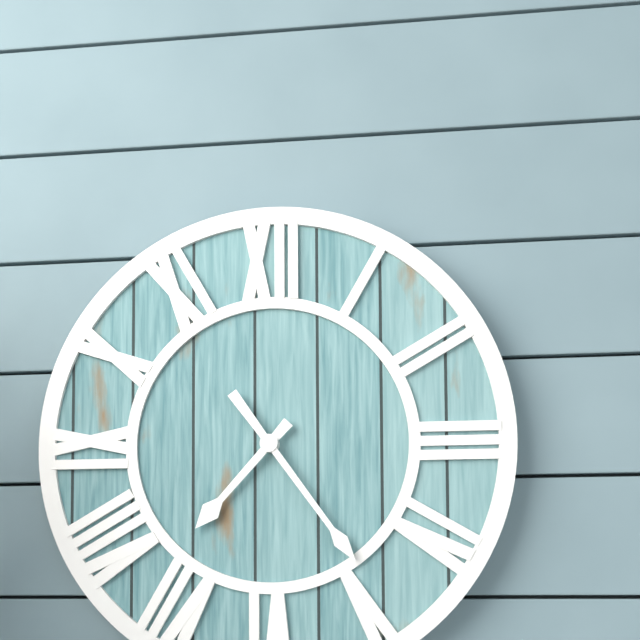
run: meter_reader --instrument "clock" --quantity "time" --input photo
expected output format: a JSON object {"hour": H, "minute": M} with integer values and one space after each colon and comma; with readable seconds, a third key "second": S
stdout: {"hour": 7, "minute": 24}
